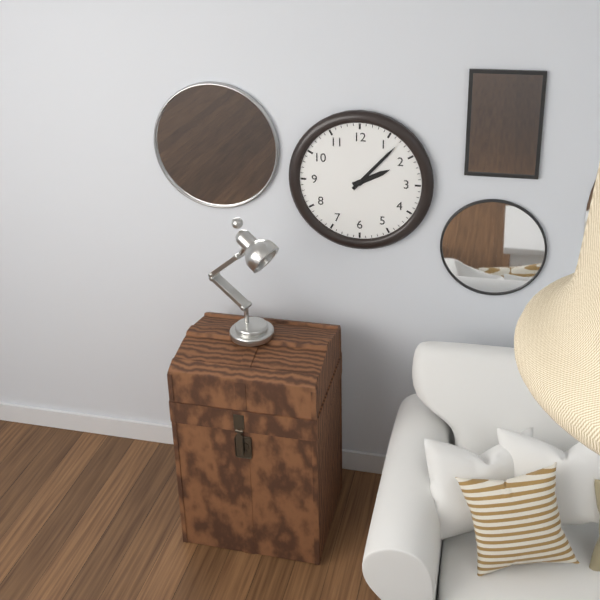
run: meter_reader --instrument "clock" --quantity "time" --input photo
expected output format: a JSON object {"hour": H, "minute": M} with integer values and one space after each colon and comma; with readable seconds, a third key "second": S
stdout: {"hour": 2, "minute": 7}
